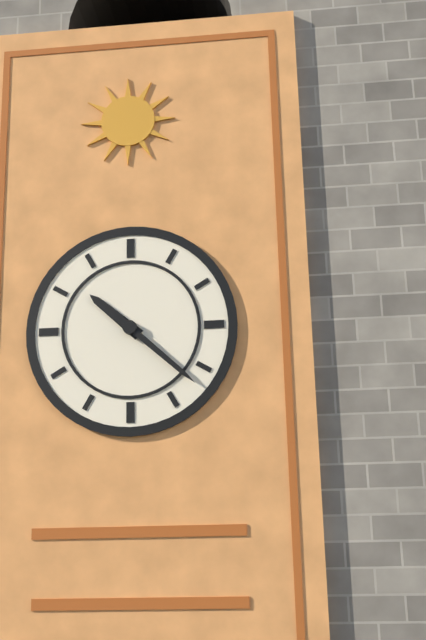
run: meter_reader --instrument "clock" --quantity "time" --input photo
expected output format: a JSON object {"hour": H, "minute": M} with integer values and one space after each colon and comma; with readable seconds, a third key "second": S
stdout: {"hour": 10, "minute": 22}
